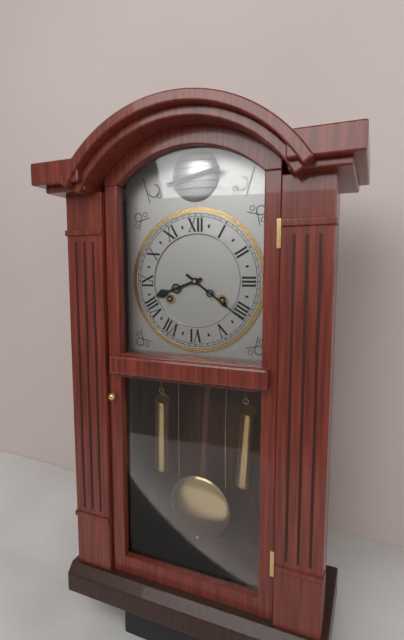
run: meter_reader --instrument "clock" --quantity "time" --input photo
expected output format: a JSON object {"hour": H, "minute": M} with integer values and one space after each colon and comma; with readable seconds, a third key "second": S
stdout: {"hour": 8, "minute": 21}
